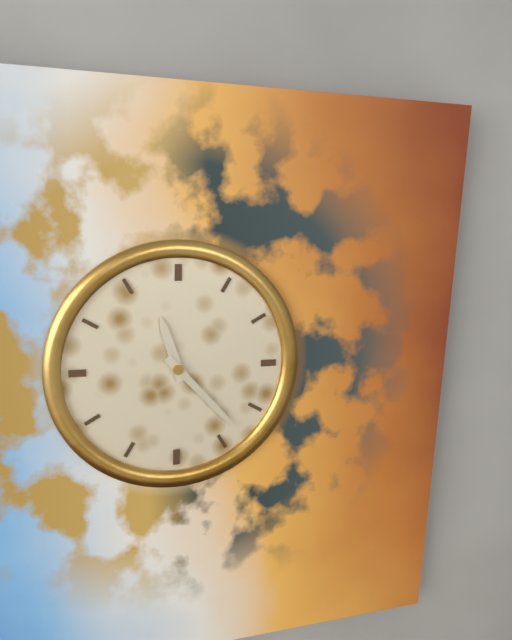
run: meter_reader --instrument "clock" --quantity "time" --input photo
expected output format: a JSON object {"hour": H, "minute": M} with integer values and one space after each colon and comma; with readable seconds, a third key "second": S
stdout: {"hour": 11, "minute": 23}
